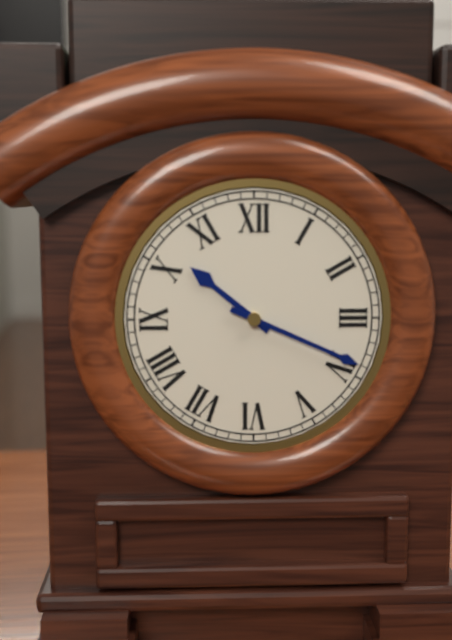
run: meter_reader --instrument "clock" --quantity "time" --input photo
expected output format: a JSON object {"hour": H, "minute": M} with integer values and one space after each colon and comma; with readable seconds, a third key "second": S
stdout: {"hour": 10, "minute": 19}
